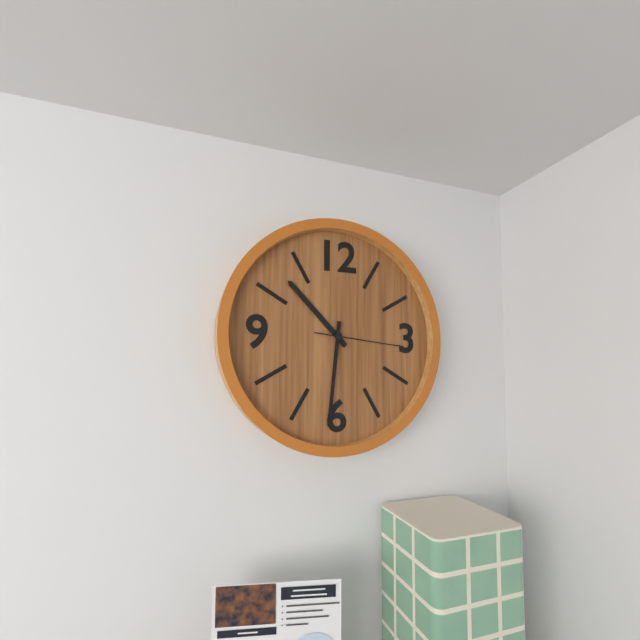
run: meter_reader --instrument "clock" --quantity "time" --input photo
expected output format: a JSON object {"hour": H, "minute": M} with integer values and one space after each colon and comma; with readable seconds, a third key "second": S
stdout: {"hour": 10, "minute": 31, "second": 16}
